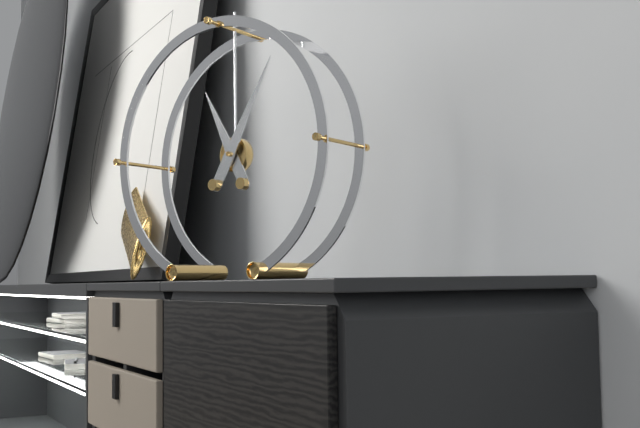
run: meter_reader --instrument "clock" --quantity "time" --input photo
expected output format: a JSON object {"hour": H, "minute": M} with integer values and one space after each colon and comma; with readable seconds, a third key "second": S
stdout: {"hour": 11, "minute": 5}
